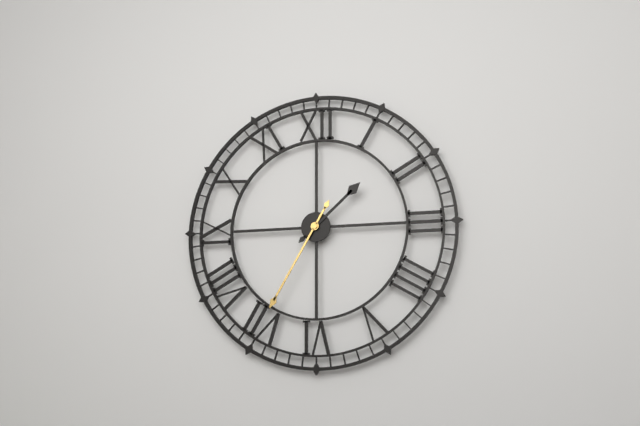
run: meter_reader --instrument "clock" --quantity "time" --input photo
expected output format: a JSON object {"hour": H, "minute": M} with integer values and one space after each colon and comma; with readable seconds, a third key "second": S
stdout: {"hour": 1, "minute": 35}
